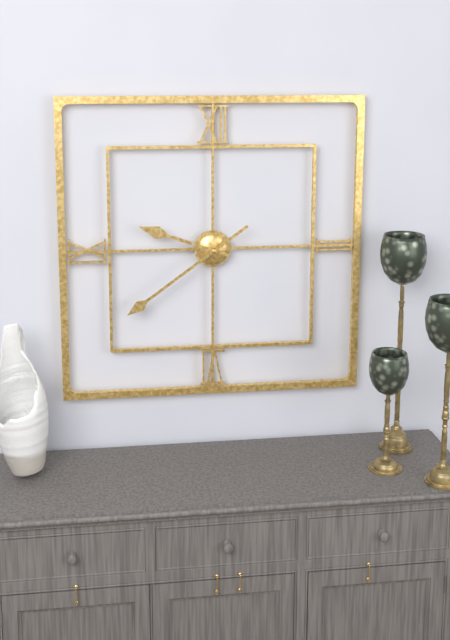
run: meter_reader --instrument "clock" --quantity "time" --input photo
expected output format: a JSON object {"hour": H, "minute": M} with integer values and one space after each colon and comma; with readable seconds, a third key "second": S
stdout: {"hour": 9, "minute": 39}
